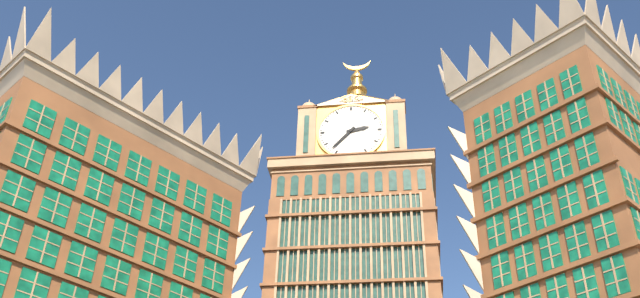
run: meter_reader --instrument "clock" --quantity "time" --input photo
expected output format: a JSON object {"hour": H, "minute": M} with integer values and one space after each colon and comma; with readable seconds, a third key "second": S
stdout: {"hour": 2, "minute": 37}
